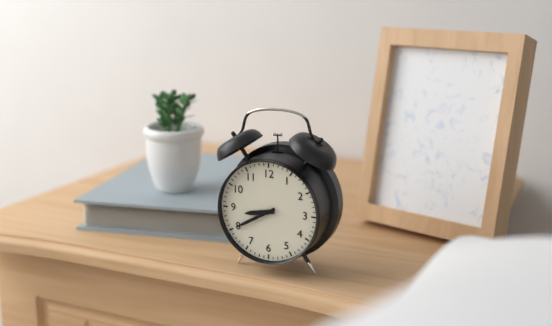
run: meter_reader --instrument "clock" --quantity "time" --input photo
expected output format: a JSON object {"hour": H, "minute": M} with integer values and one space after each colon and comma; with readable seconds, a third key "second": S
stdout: {"hour": 8, "minute": 40}
